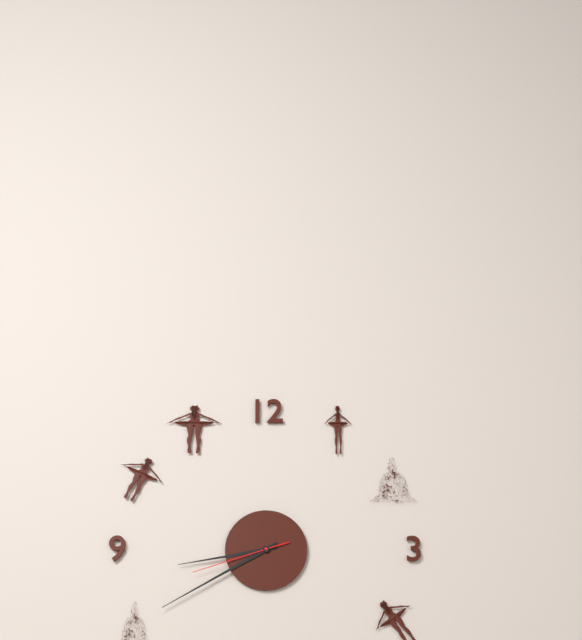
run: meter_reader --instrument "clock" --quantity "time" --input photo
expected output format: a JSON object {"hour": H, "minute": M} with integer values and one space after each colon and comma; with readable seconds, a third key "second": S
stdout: {"hour": 8, "minute": 40, "second": 42}
